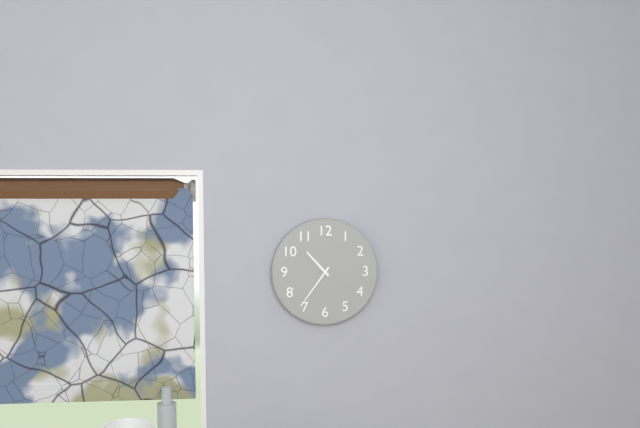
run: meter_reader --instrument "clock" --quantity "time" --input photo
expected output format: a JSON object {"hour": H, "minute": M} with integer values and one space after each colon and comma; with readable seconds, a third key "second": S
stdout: {"hour": 10, "minute": 36}
